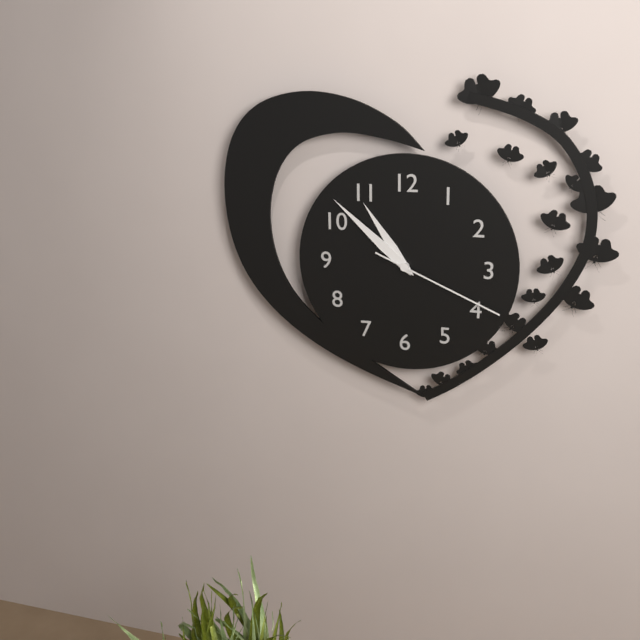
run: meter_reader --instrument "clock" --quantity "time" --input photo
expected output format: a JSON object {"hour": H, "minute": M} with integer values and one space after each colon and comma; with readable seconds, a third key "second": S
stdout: {"hour": 10, "minute": 52, "second": 19}
